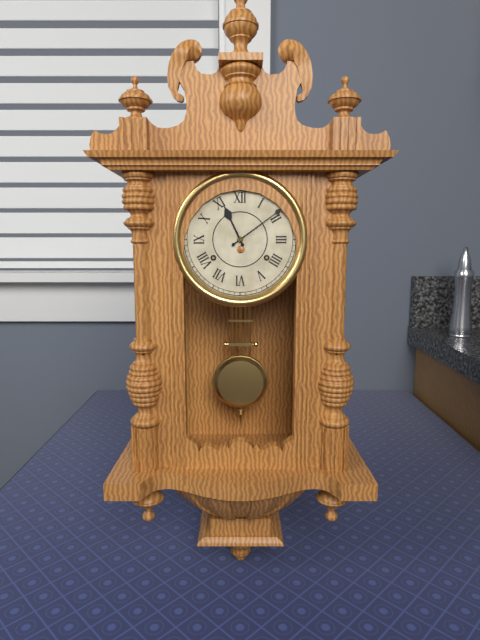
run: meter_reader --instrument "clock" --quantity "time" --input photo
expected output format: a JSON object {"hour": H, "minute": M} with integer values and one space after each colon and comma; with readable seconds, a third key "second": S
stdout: {"hour": 11, "minute": 9}
